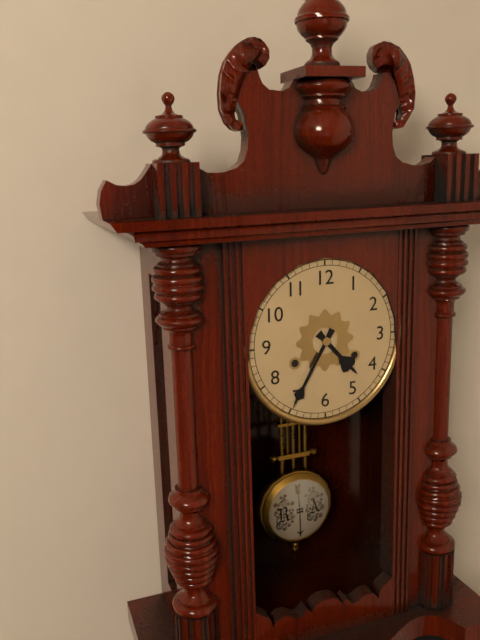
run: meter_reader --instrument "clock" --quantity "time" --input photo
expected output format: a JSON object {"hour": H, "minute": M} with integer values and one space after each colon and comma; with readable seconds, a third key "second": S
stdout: {"hour": 4, "minute": 35}
